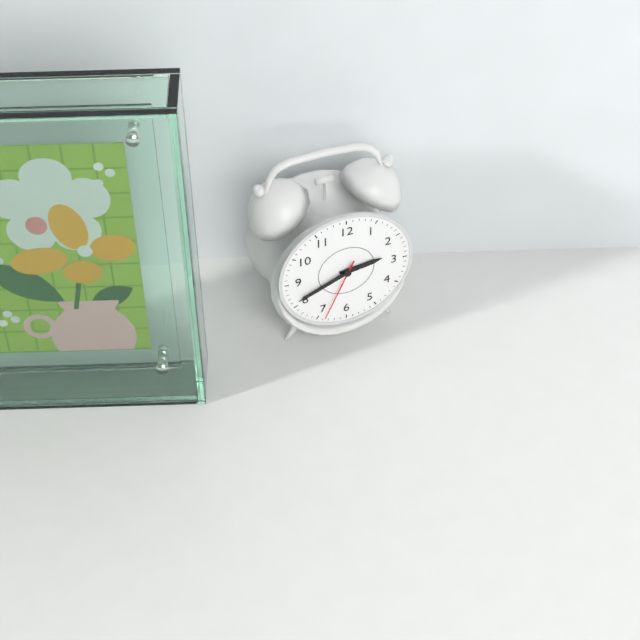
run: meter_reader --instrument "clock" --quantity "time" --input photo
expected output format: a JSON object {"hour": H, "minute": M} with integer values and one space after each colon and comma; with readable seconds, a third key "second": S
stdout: {"hour": 2, "minute": 41, "second": 34}
